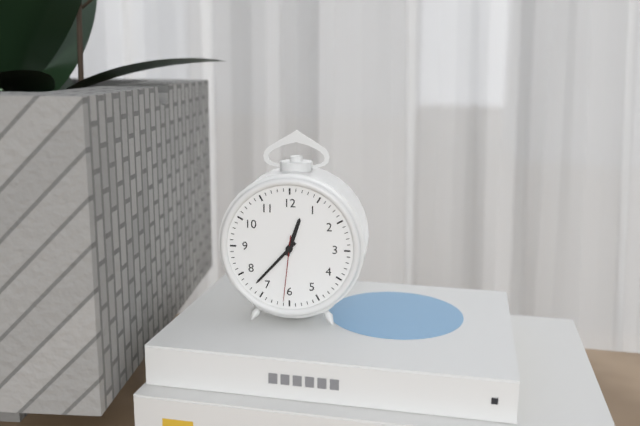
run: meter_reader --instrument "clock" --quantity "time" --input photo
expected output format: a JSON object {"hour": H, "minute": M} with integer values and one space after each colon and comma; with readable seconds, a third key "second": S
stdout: {"hour": 12, "minute": 37, "second": 31}
